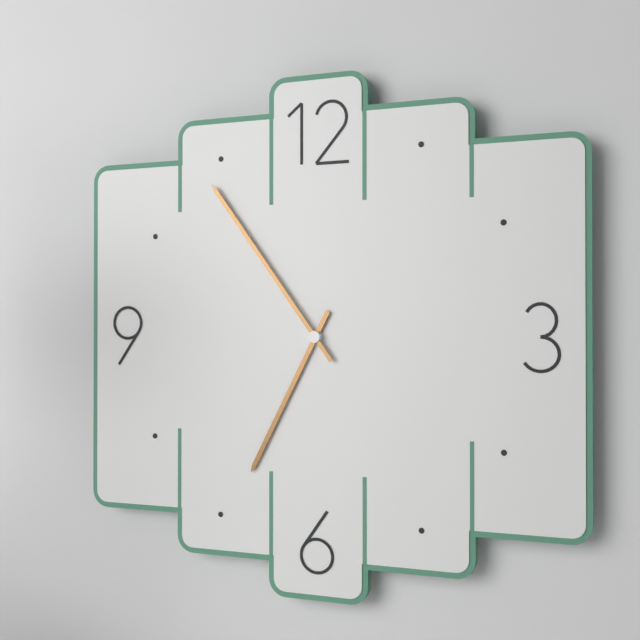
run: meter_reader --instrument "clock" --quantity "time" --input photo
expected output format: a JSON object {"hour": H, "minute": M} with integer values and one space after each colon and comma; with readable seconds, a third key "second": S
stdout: {"hour": 6, "minute": 54}
